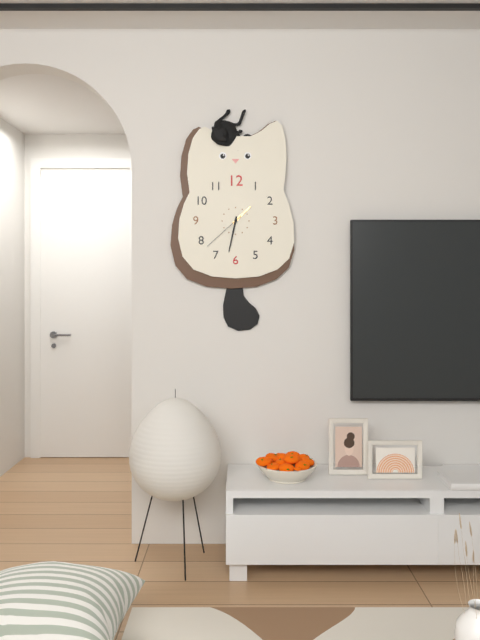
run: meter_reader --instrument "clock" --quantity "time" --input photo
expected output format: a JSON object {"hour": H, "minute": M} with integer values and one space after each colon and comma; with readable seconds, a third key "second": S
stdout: {"hour": 1, "minute": 32}
